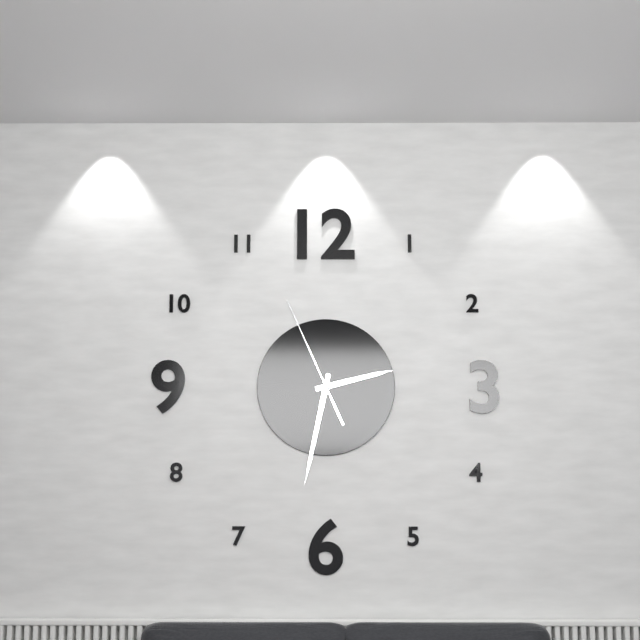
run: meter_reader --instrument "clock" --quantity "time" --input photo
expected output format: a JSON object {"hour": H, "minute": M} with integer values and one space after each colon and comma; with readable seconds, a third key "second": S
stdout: {"hour": 2, "minute": 32, "second": 56}
